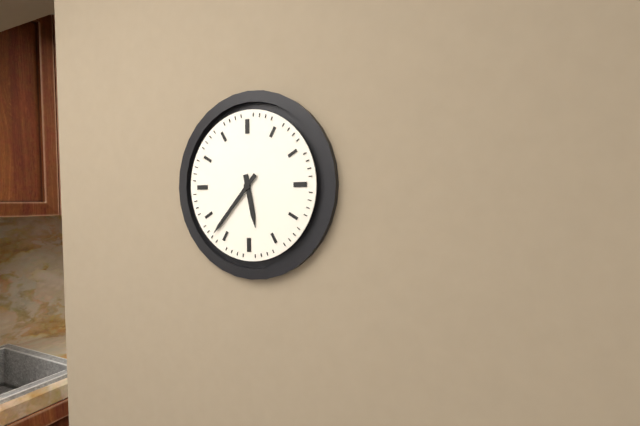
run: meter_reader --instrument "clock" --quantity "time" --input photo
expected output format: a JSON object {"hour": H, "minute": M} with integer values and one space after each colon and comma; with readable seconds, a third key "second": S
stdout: {"hour": 5, "minute": 37}
